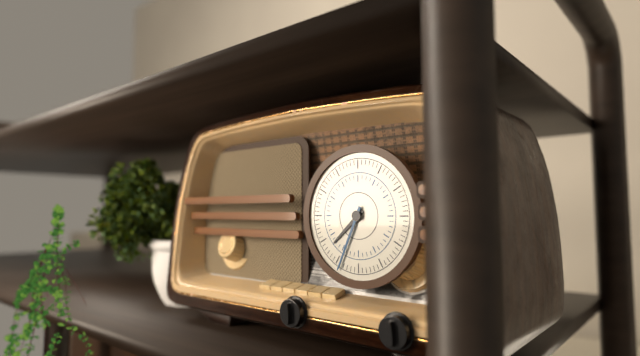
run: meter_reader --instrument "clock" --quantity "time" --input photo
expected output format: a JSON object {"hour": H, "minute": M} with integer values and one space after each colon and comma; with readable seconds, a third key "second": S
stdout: {"hour": 7, "minute": 34}
